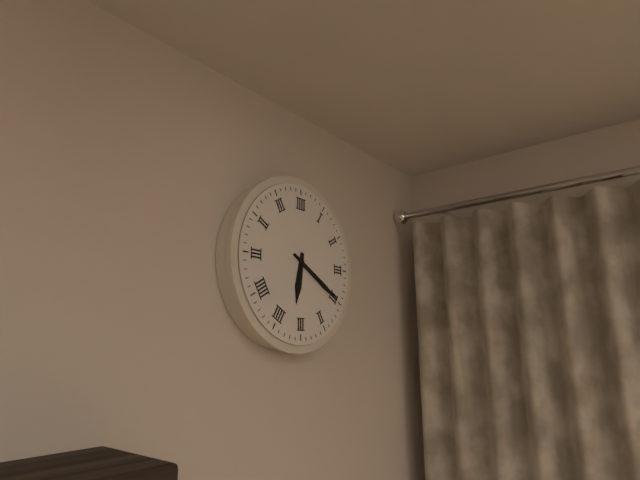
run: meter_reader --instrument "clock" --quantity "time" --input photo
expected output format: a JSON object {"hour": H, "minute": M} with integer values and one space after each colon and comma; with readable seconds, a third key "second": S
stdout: {"hour": 6, "minute": 20}
